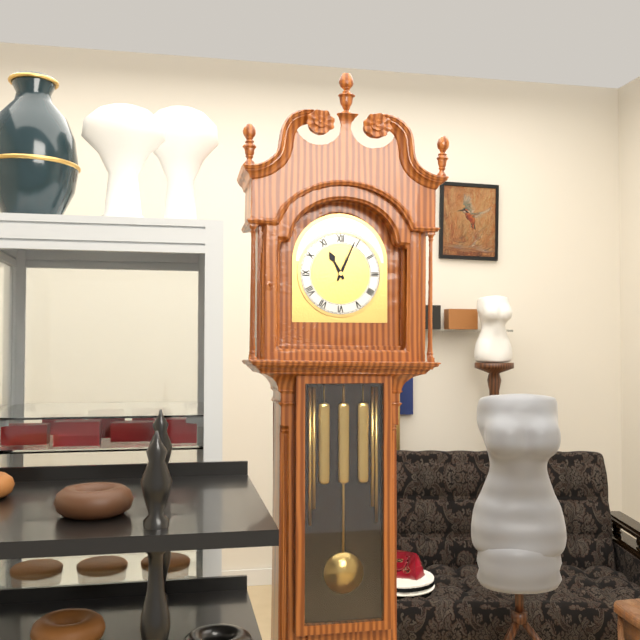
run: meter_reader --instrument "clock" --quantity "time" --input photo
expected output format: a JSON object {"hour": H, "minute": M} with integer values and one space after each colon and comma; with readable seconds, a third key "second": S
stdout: {"hour": 11, "minute": 4}
